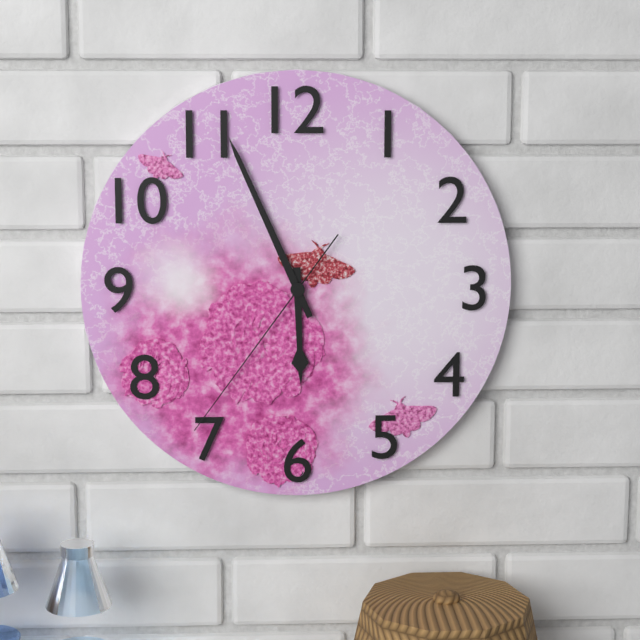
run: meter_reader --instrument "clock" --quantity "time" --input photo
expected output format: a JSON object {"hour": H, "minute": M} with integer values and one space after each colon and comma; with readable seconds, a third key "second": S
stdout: {"hour": 5, "minute": 56, "second": 36}
